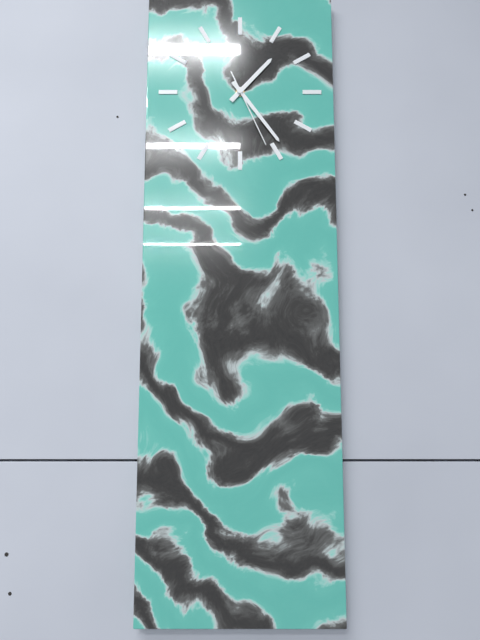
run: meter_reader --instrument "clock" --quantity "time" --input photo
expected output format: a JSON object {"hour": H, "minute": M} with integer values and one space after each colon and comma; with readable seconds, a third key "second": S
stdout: {"hour": 1, "minute": 24, "second": 26}
